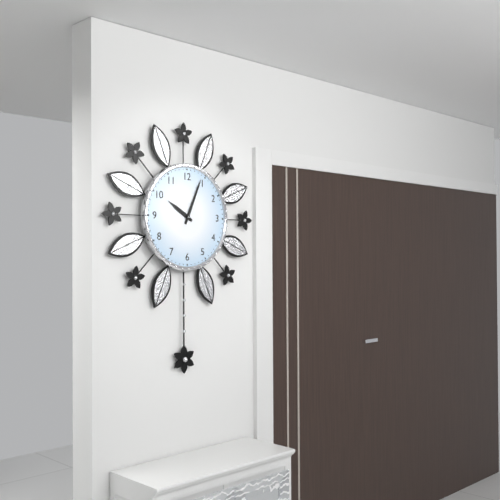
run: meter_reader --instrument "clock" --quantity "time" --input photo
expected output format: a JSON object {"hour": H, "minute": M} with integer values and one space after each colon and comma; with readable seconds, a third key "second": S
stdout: {"hour": 10, "minute": 4}
